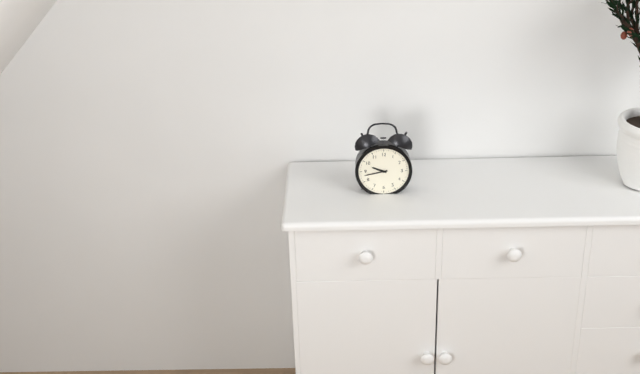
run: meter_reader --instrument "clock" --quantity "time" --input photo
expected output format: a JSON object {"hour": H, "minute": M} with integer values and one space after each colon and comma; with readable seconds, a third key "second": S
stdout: {"hour": 9, "minute": 43}
